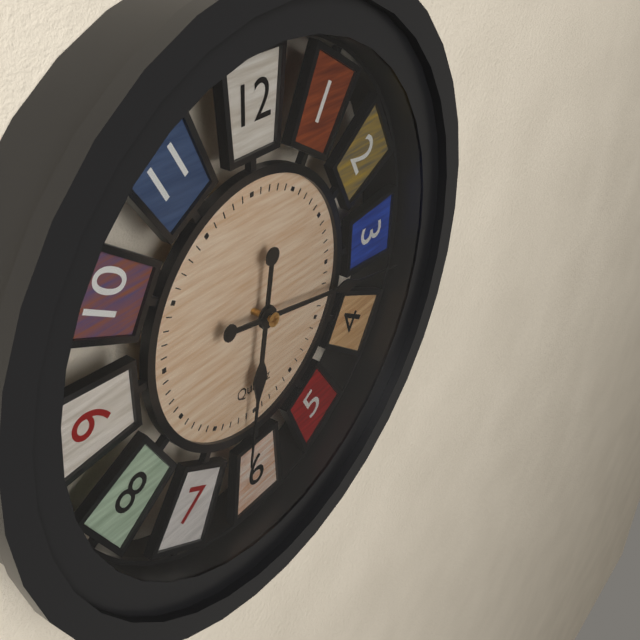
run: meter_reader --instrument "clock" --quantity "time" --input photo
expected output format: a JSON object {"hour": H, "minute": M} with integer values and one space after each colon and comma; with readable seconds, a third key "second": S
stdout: {"hour": 6, "minute": 17}
